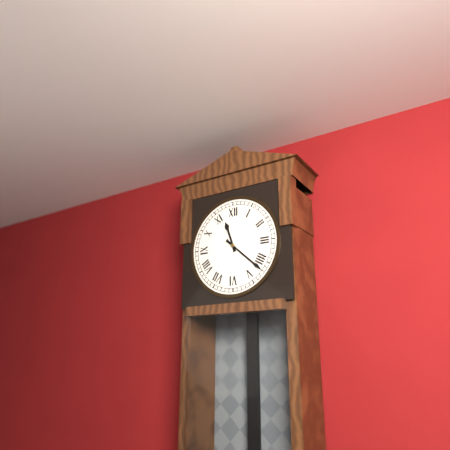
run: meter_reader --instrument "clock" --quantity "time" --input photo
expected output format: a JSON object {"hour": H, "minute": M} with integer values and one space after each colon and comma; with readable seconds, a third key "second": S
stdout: {"hour": 11, "minute": 22}
